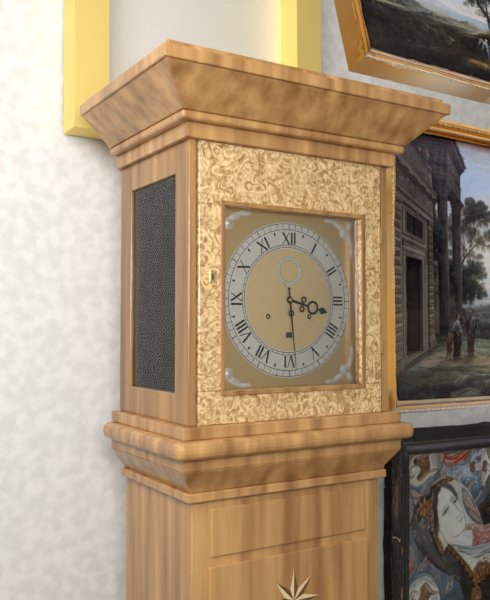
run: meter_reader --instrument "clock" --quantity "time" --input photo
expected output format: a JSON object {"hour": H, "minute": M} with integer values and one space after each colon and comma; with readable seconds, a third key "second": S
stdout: {"hour": 3, "minute": 29}
